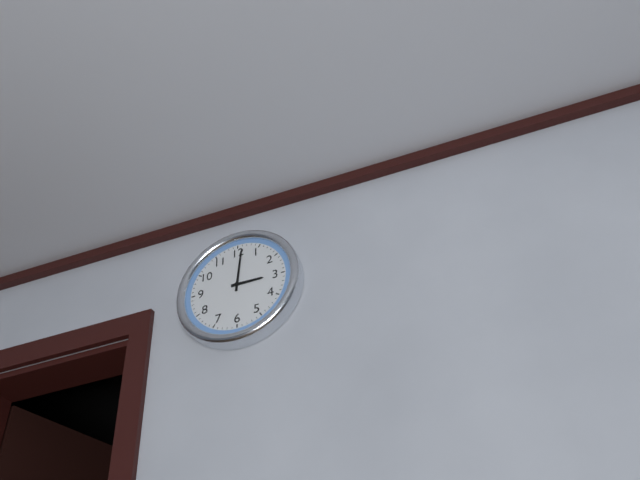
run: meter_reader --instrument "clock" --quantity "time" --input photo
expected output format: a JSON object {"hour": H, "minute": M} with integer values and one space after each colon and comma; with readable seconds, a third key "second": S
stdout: {"hour": 3, "minute": 1}
